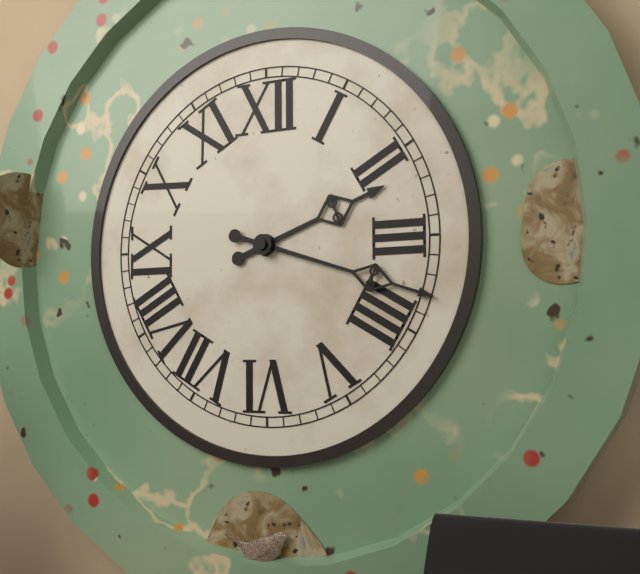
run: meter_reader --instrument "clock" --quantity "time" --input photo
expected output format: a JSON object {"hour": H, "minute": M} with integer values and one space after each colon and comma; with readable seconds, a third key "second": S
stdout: {"hour": 2, "minute": 18}
